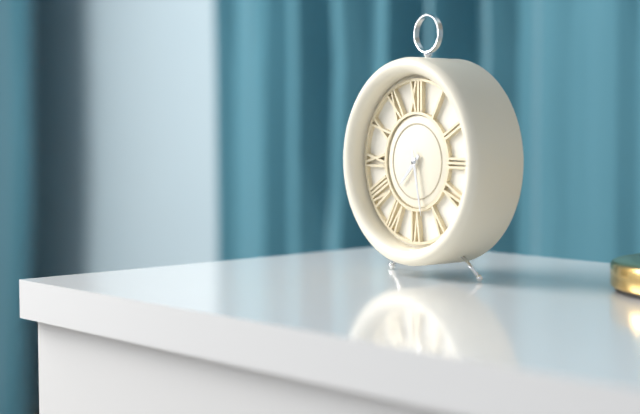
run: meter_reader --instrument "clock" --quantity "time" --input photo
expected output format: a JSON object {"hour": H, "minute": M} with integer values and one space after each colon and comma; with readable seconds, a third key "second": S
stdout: {"hour": 7, "minute": 28}
